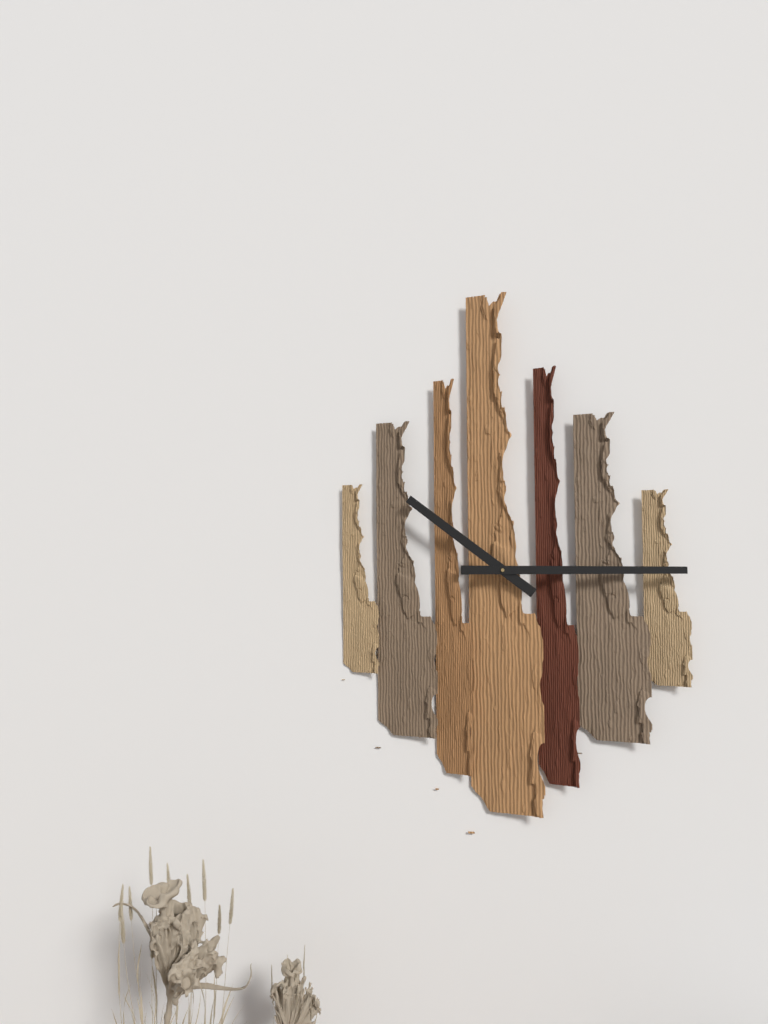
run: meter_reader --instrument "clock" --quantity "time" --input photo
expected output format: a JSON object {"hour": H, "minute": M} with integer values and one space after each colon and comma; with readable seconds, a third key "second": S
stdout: {"hour": 10, "minute": 15}
